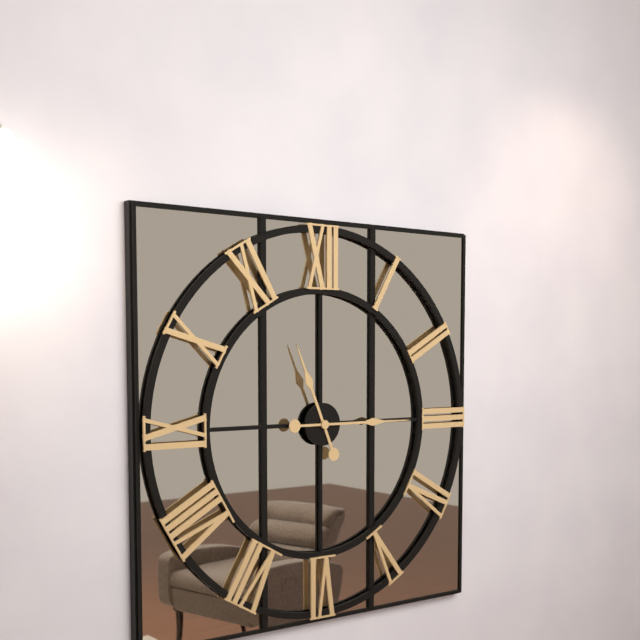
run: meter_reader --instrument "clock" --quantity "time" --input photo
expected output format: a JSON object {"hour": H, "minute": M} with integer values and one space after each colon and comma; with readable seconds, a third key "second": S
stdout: {"hour": 11, "minute": 15}
